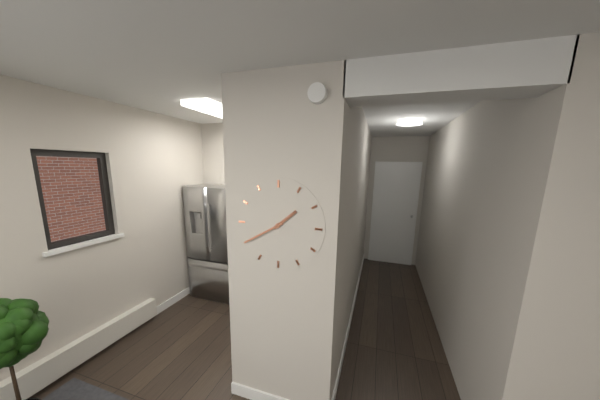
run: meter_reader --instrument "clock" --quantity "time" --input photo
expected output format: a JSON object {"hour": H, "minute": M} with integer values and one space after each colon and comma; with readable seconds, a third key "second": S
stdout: {"hour": 1, "minute": 40}
